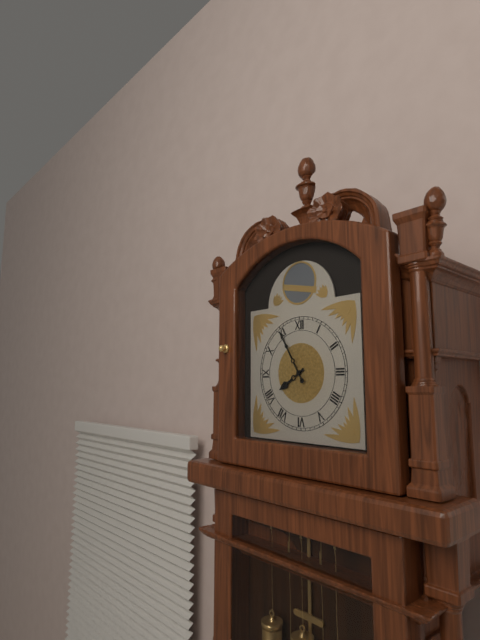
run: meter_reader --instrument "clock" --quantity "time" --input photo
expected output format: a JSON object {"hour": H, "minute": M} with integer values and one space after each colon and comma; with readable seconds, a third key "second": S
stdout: {"hour": 7, "minute": 55}
